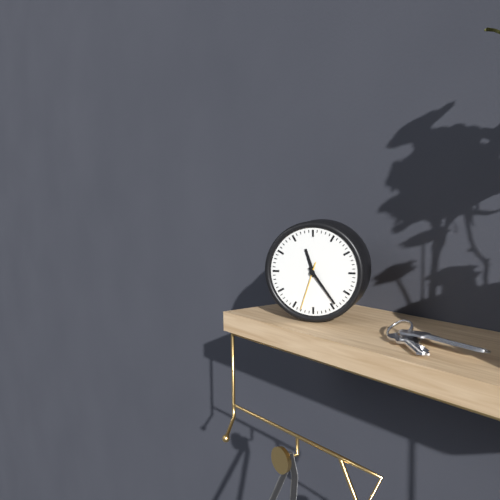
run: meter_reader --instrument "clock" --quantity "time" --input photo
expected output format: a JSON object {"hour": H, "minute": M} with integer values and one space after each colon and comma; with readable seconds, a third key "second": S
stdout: {"hour": 11, "minute": 24}
